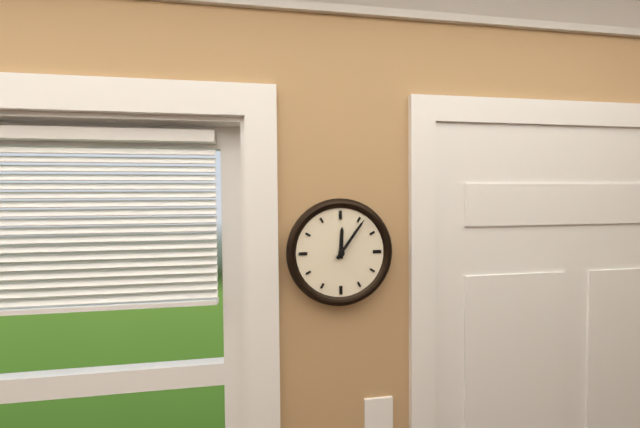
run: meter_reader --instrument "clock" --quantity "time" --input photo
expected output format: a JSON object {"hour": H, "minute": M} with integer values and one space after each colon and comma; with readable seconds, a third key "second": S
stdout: {"hour": 12, "minute": 6}
